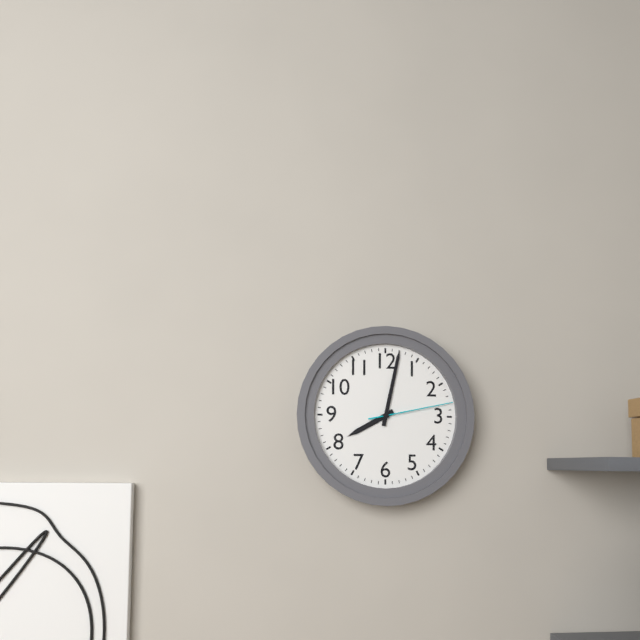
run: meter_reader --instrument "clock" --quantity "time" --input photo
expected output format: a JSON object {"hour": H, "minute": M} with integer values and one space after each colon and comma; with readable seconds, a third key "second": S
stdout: {"hour": 8, "minute": 2, "second": 13}
